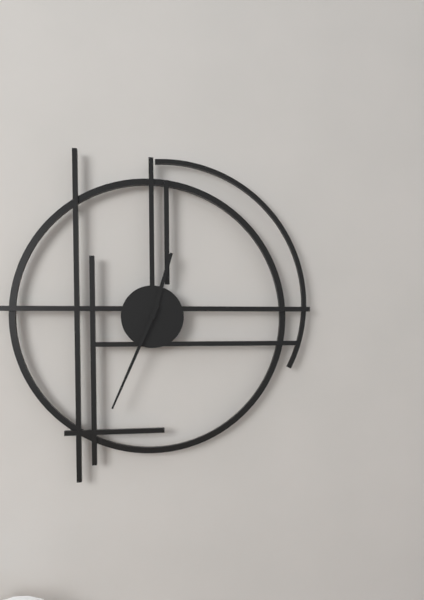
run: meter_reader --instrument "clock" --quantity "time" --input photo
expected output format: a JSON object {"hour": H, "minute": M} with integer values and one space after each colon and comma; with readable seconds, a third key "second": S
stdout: {"hour": 12, "minute": 34}
